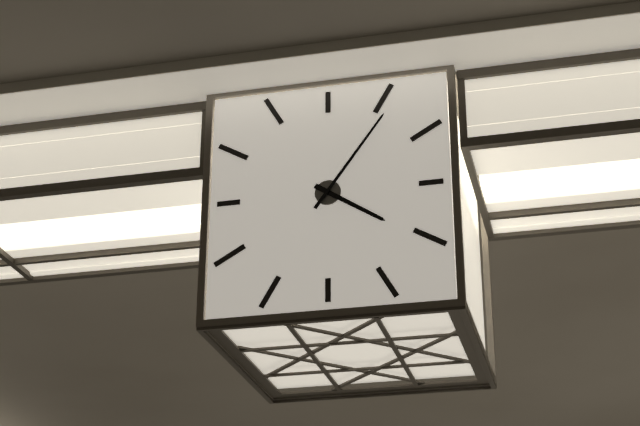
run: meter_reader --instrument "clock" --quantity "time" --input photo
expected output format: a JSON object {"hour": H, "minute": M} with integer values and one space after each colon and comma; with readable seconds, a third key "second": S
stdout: {"hour": 4, "minute": 6}
